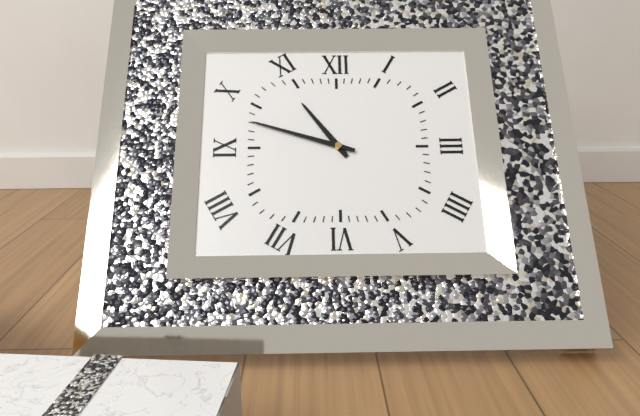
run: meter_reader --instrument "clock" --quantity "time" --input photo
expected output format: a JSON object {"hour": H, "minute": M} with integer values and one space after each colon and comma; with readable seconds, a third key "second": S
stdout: {"hour": 10, "minute": 48}
